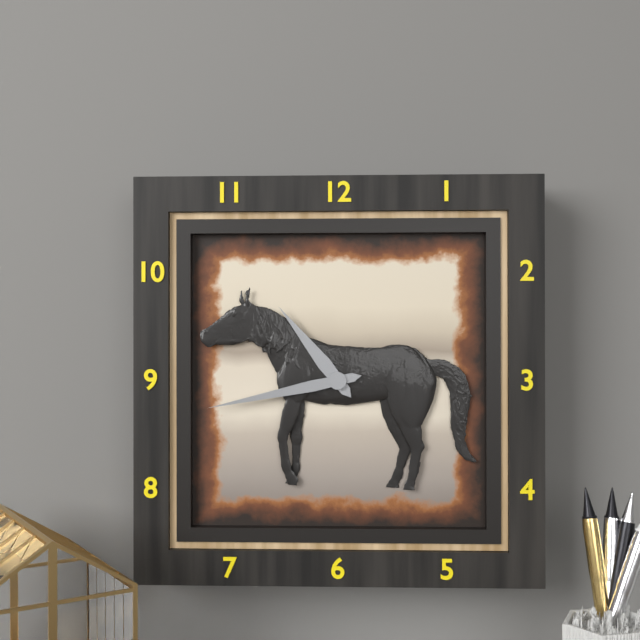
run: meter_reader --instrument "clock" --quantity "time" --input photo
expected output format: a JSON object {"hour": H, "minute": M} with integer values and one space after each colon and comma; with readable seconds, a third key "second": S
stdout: {"hour": 10, "minute": 43}
